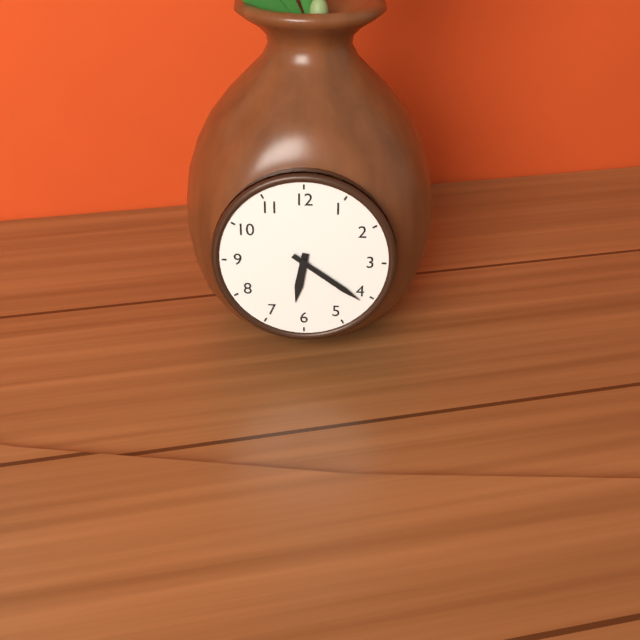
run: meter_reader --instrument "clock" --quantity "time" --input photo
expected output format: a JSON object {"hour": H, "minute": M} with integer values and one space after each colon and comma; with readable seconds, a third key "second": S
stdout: {"hour": 6, "minute": 21}
